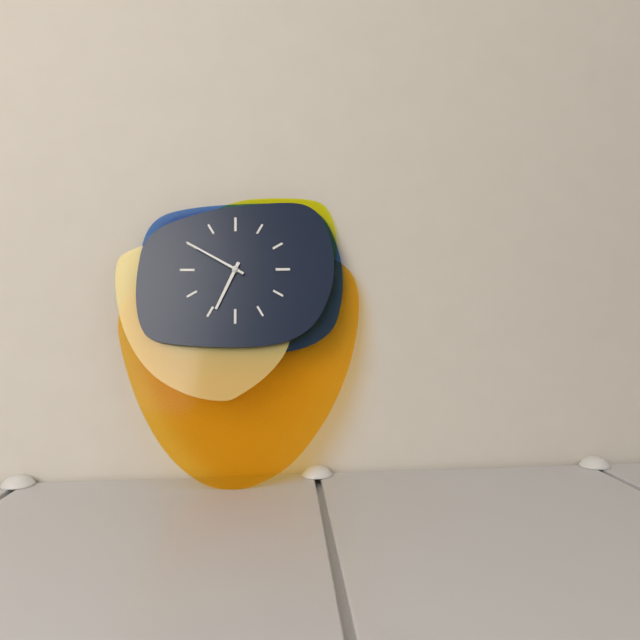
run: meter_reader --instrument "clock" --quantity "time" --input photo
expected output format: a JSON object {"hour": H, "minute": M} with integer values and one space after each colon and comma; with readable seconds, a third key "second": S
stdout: {"hour": 6, "minute": 50}
